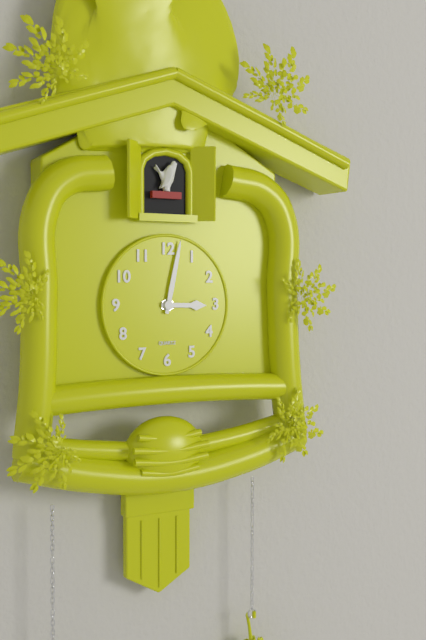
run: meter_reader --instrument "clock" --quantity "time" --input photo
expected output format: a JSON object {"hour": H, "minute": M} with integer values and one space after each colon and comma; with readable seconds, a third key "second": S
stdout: {"hour": 3, "minute": 2}
